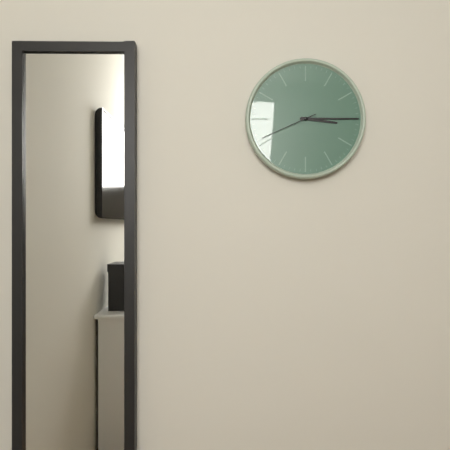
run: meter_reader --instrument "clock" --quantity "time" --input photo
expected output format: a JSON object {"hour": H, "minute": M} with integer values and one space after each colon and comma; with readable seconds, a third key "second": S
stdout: {"hour": 3, "minute": 15, "second": 41}
